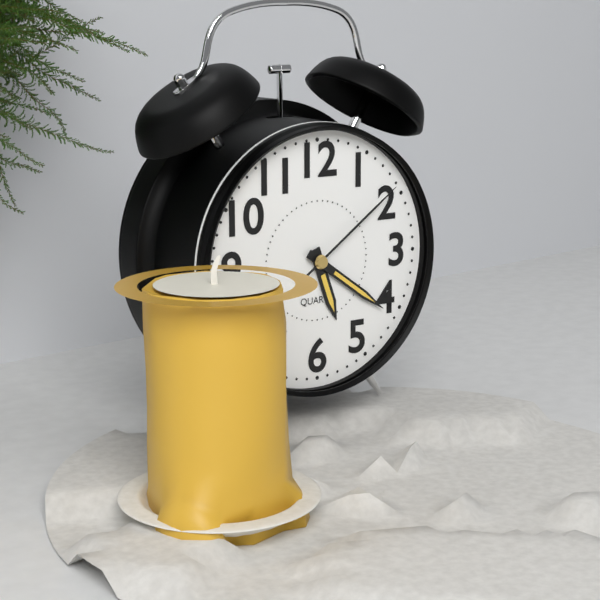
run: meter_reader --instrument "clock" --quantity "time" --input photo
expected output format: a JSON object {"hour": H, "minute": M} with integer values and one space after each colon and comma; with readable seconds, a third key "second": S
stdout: {"hour": 5, "minute": 21, "second": 9}
